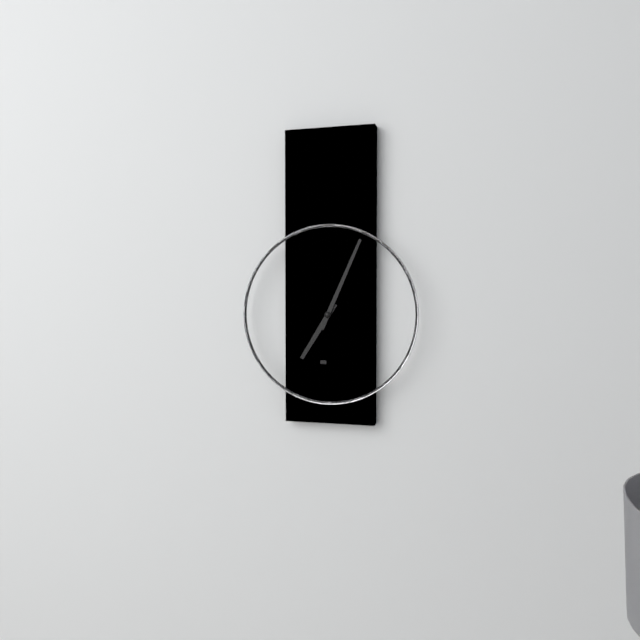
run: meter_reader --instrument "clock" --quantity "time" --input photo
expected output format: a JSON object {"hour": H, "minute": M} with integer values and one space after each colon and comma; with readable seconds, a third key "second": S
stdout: {"hour": 7, "minute": 4}
